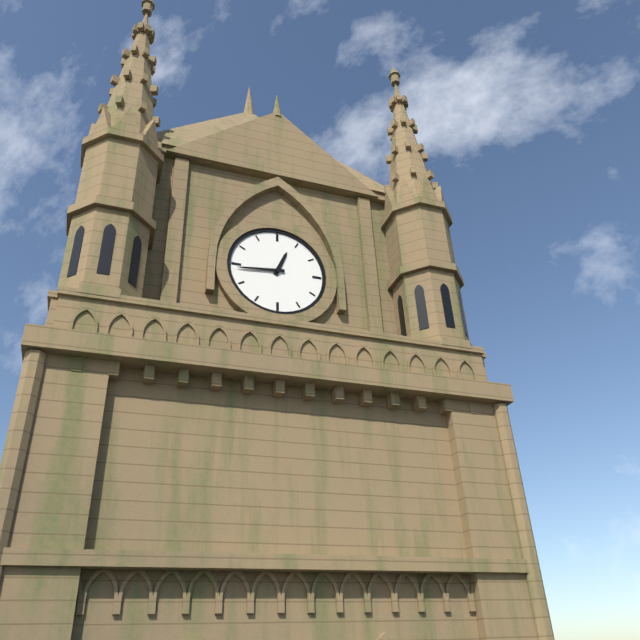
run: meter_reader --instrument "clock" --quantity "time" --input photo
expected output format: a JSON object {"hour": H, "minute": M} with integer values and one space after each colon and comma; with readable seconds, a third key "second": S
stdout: {"hour": 12, "minute": 44}
